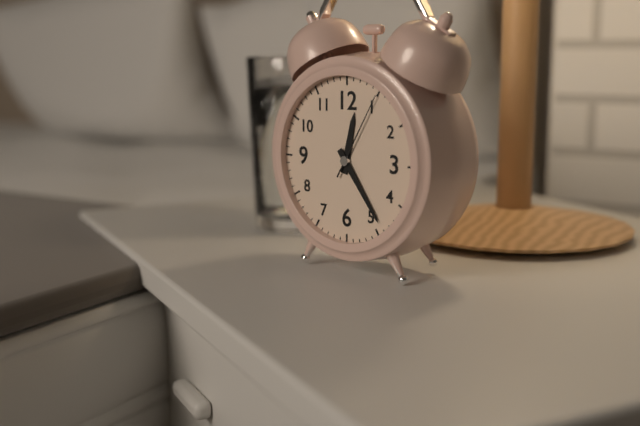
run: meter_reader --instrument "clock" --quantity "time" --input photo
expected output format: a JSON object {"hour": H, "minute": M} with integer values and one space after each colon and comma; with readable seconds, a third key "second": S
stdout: {"hour": 12, "minute": 24, "second": 5}
